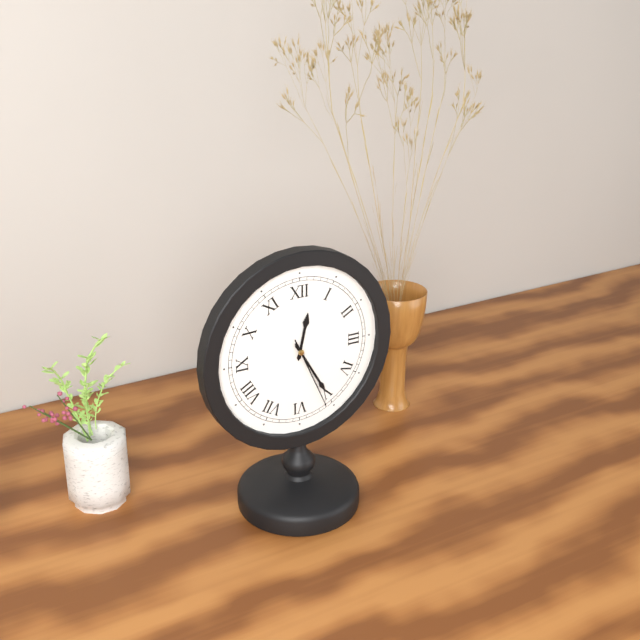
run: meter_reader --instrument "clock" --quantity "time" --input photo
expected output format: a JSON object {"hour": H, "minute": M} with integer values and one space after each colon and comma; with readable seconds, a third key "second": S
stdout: {"hour": 12, "minute": 25, "second": 26}
